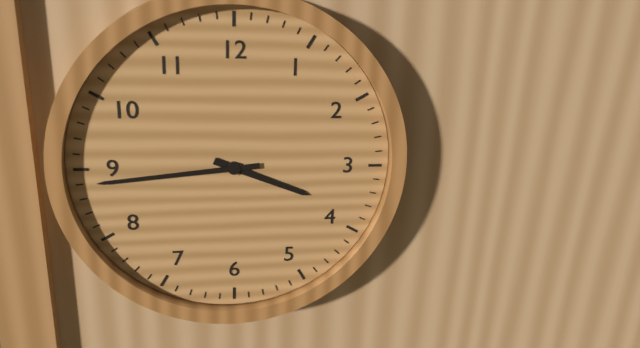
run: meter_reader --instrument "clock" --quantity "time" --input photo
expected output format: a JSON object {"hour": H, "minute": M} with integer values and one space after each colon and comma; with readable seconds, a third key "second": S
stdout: {"hour": 3, "minute": 44}
